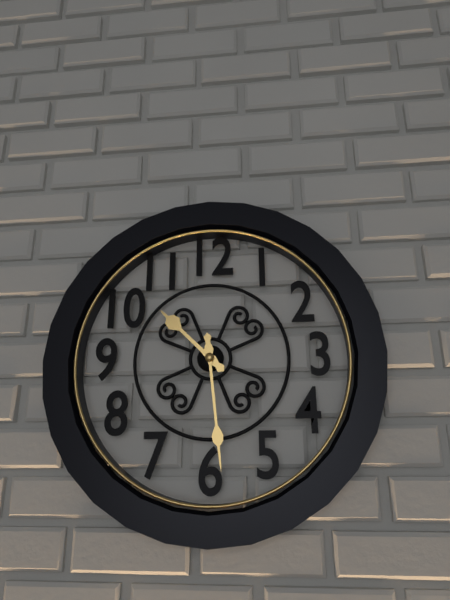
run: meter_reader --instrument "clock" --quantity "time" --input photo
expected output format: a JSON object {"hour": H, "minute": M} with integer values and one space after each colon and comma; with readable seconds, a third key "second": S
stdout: {"hour": 10, "minute": 29}
